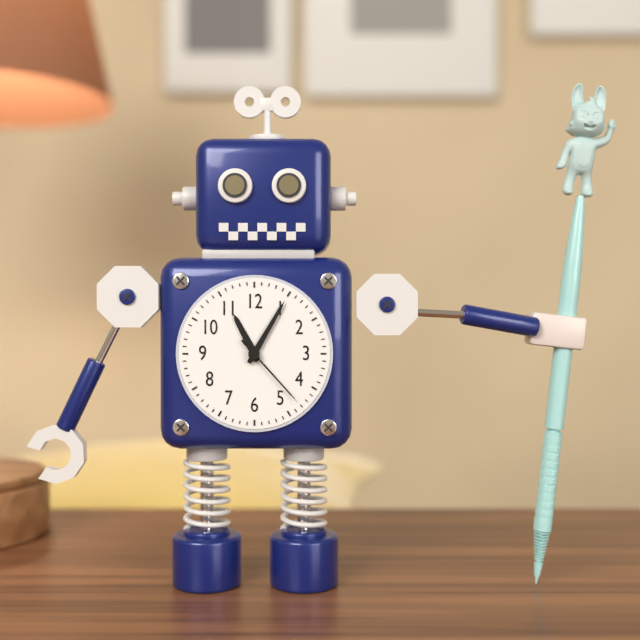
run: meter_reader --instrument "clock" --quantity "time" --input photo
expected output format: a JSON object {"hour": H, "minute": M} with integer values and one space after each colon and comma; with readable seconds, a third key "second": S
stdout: {"hour": 11, "minute": 5, "second": 23}
